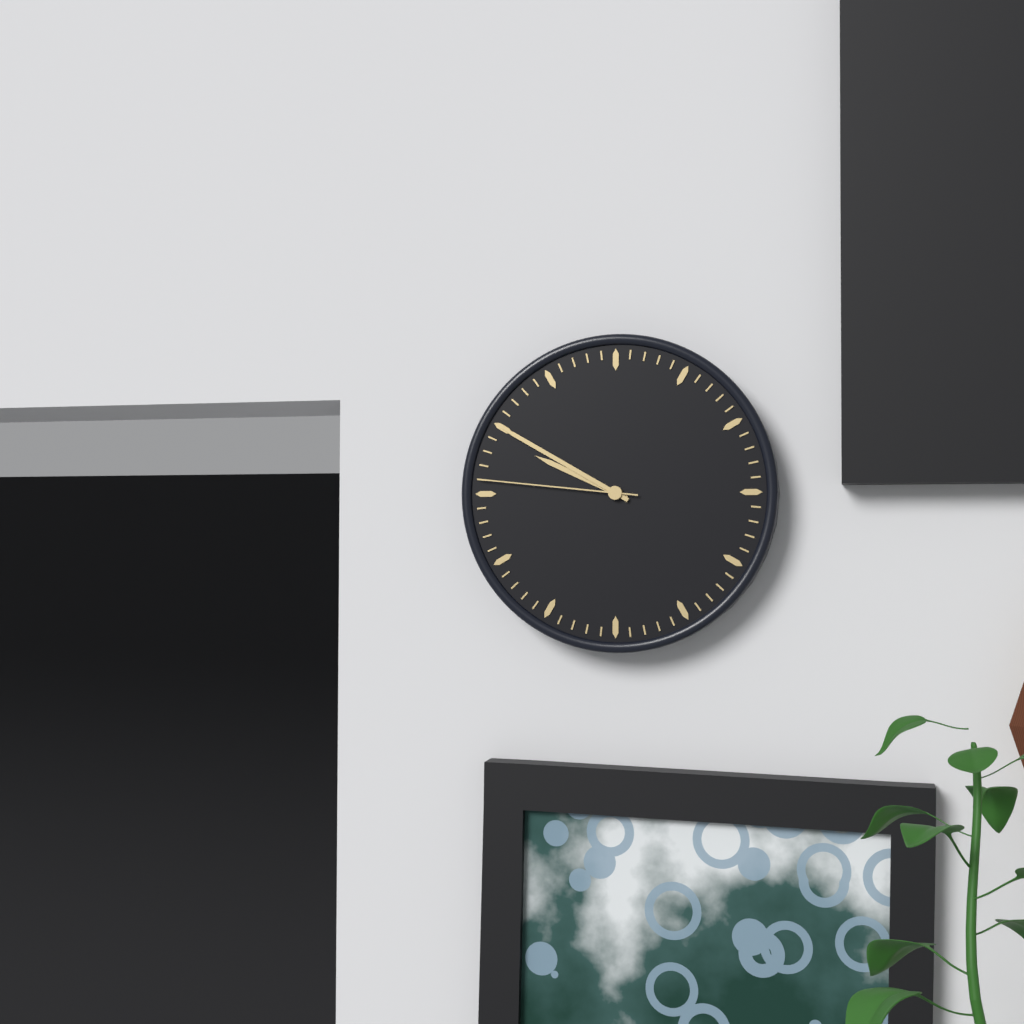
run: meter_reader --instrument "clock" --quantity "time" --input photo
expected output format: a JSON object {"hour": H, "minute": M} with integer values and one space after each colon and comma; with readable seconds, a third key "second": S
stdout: {"hour": 9, "minute": 50, "second": 46}
